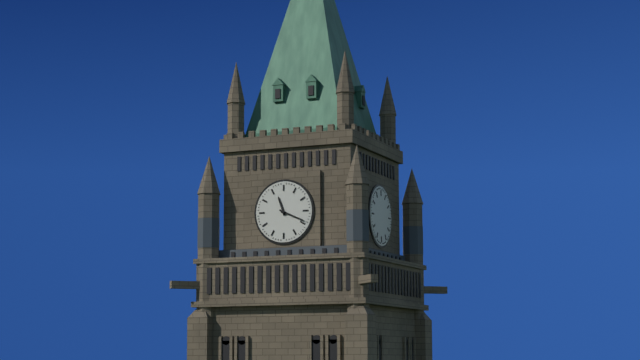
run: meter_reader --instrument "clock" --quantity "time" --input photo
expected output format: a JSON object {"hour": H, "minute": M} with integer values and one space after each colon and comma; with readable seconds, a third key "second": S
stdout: {"hour": 11, "minute": 19}
